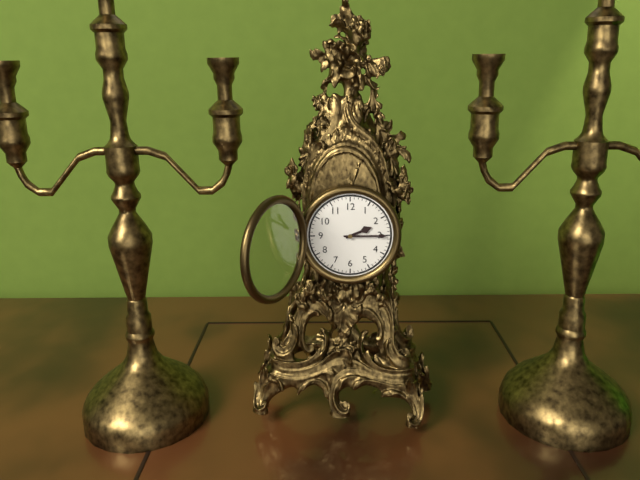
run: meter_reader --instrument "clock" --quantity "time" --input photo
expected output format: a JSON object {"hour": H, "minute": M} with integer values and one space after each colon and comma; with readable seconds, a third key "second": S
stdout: {"hour": 2, "minute": 15}
